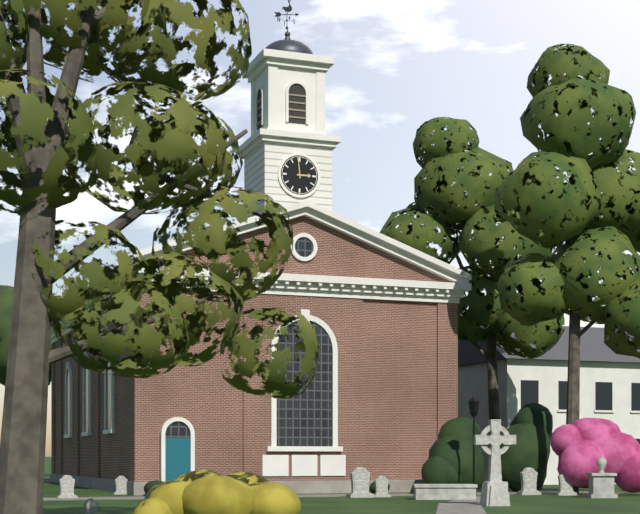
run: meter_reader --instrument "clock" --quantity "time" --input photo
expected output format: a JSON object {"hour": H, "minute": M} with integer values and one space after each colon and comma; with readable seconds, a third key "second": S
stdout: {"hour": 2, "minute": 59}
